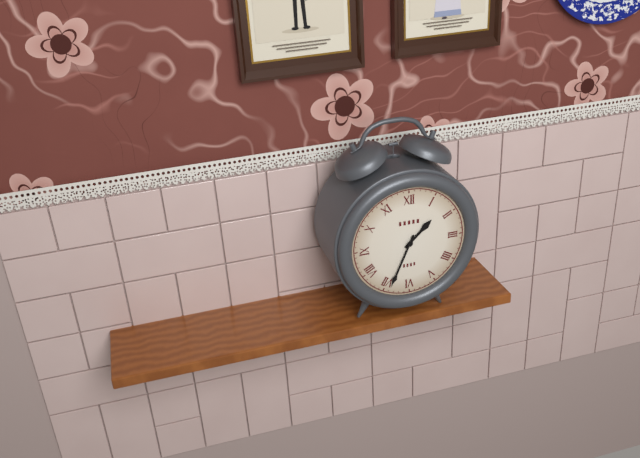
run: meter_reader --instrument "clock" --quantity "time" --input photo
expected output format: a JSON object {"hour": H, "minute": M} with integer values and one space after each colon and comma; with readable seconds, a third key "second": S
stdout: {"hour": 1, "minute": 34}
